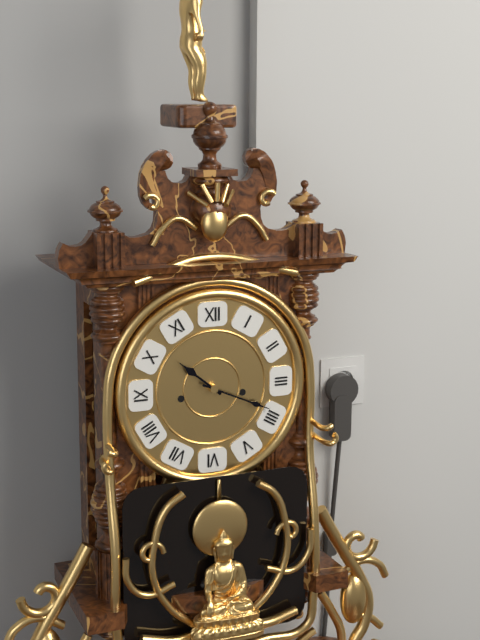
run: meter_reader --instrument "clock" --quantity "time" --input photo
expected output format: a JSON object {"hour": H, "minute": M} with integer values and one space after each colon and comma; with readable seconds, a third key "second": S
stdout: {"hour": 10, "minute": 19}
